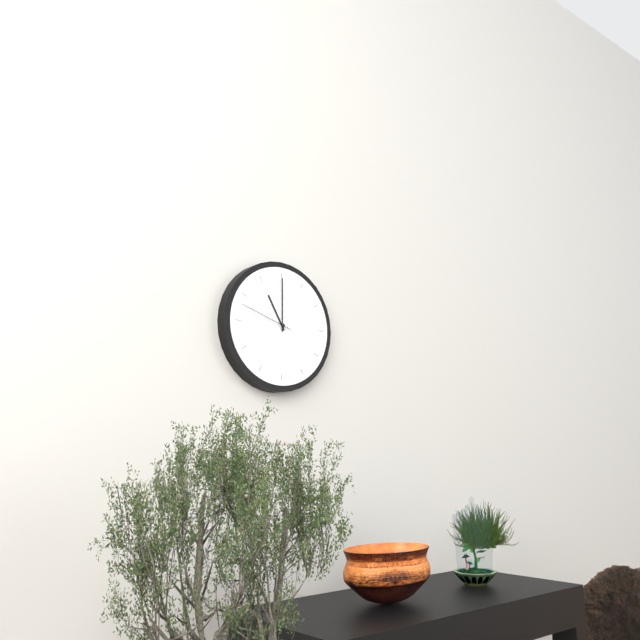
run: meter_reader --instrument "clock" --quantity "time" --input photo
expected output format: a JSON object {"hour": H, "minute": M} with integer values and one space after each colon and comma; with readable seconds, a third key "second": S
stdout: {"hour": 11, "minute": 0, "second": 48}
